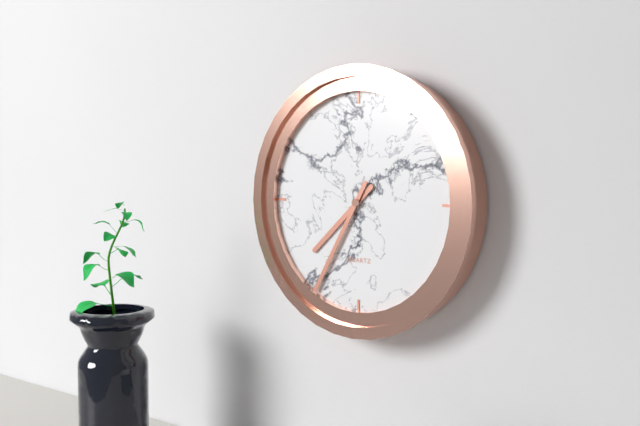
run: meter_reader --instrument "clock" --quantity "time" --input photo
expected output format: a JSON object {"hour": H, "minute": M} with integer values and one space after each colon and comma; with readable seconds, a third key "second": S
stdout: {"hour": 7, "minute": 35}
